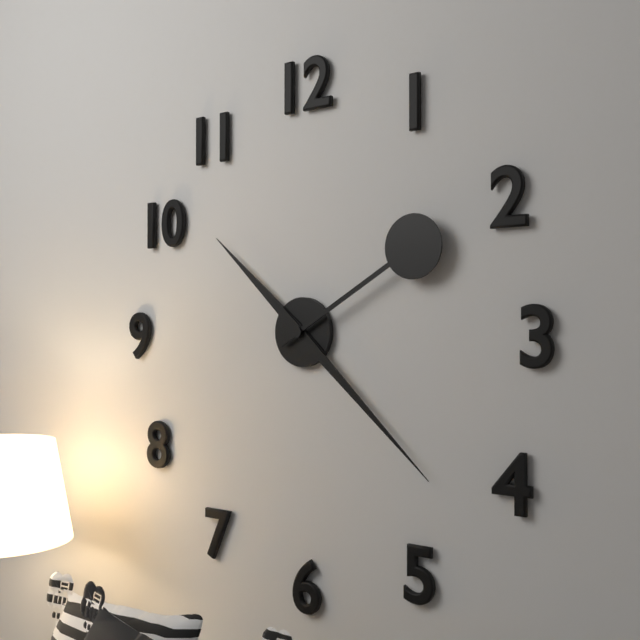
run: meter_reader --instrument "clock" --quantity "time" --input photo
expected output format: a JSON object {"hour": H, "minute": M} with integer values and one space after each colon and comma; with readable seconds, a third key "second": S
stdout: {"hour": 10, "minute": 22, "second": 10}
